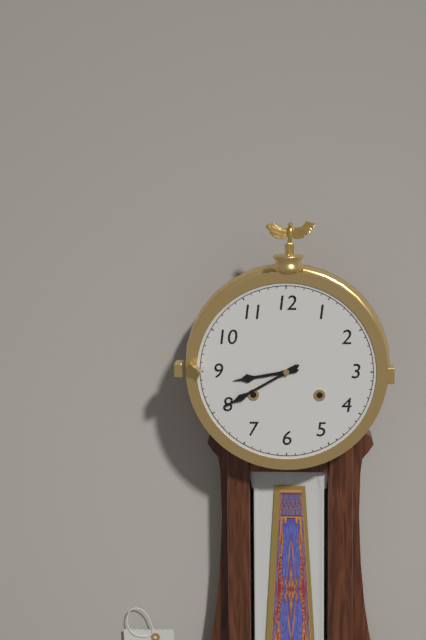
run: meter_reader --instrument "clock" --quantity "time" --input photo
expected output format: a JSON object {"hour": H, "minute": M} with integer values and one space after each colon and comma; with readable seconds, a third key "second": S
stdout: {"hour": 8, "minute": 40}
